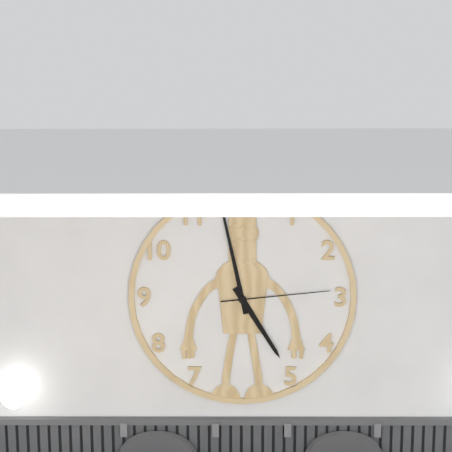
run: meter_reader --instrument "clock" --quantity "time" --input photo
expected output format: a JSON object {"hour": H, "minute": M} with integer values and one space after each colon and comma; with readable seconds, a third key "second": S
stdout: {"hour": 4, "minute": 58, "second": 14}
